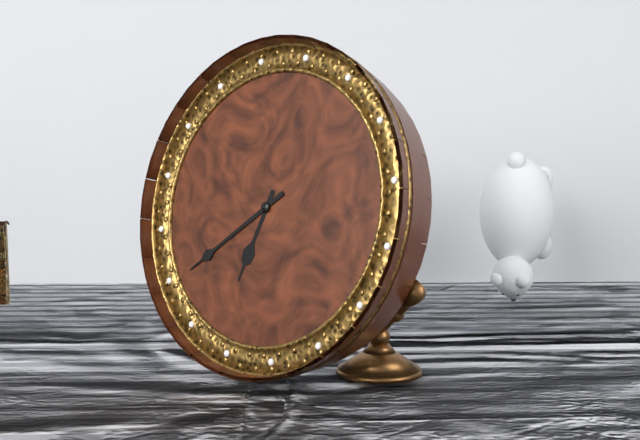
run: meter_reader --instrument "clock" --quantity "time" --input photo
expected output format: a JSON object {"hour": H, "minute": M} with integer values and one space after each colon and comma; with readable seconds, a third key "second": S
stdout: {"hour": 6, "minute": 39}
